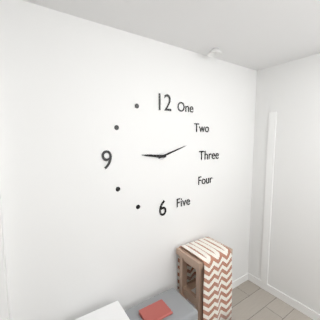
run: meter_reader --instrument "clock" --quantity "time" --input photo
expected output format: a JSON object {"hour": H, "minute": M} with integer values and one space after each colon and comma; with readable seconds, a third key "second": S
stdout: {"hour": 9, "minute": 12}
